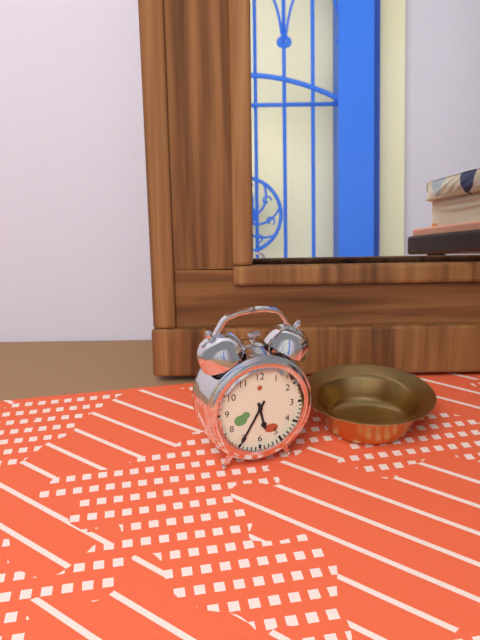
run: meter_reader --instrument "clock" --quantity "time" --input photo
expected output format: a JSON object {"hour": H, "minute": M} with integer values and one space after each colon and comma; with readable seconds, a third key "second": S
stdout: {"hour": 5, "minute": 35}
